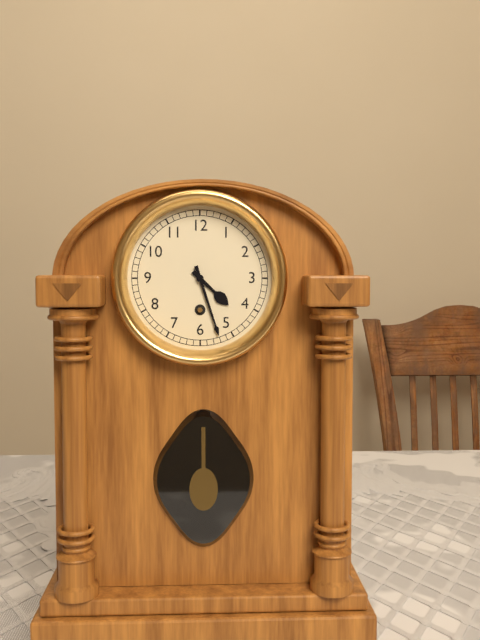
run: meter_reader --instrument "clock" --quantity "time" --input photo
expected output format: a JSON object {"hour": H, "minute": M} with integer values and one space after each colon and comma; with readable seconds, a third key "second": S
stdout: {"hour": 4, "minute": 27}
